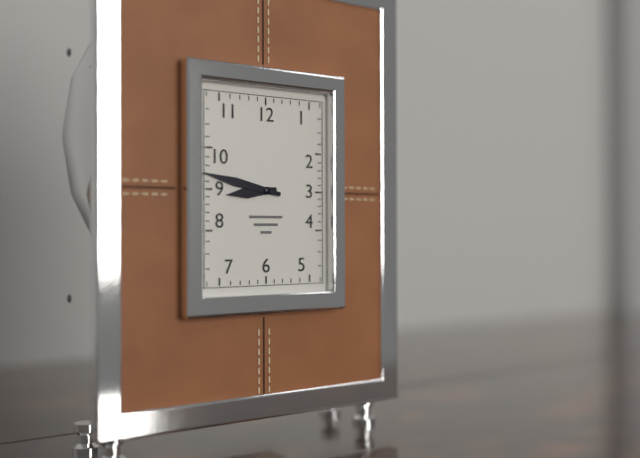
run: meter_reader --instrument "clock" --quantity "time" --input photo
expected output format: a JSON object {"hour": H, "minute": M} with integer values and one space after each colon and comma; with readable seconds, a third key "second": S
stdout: {"hour": 8, "minute": 47}
